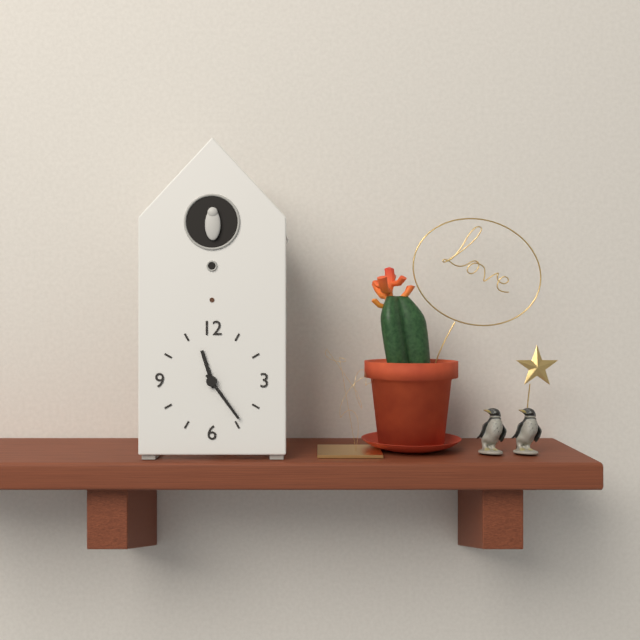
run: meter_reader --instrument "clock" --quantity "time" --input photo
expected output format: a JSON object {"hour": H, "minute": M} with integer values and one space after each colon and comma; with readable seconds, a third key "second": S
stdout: {"hour": 11, "minute": 24}
